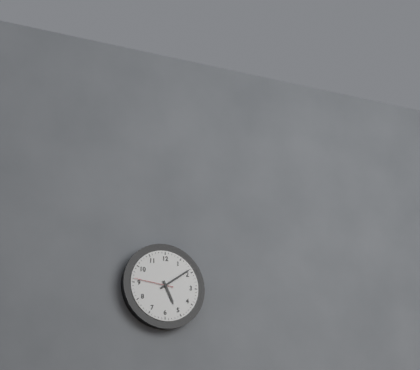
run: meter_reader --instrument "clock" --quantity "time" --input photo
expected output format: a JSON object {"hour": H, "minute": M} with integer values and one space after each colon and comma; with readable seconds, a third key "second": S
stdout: {"hour": 5, "minute": 9}
